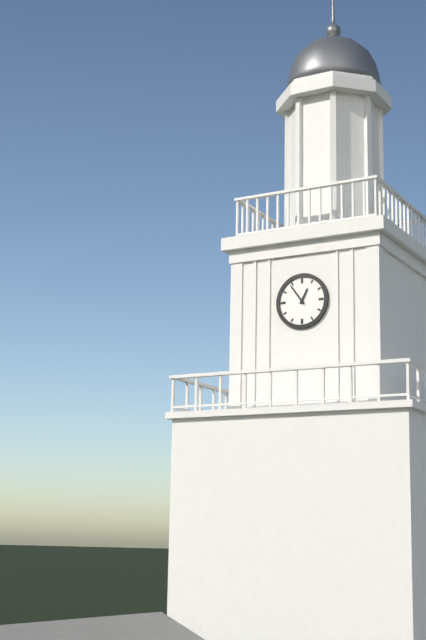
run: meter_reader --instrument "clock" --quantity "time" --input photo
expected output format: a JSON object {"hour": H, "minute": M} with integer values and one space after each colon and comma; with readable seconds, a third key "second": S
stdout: {"hour": 12, "minute": 54}
